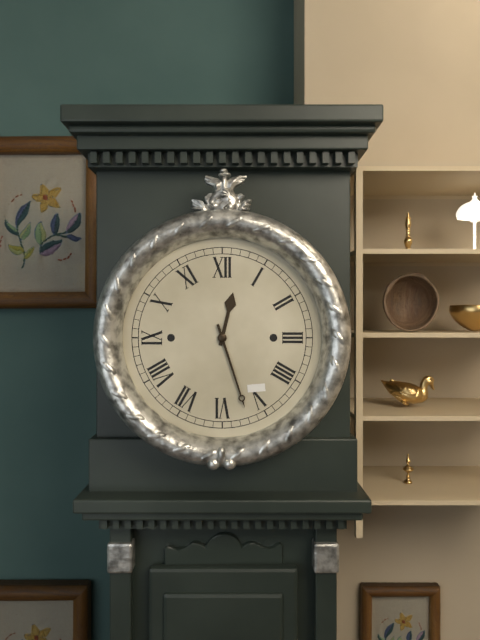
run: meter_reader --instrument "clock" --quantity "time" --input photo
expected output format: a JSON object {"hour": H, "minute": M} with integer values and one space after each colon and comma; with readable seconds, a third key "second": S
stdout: {"hour": 12, "minute": 27}
